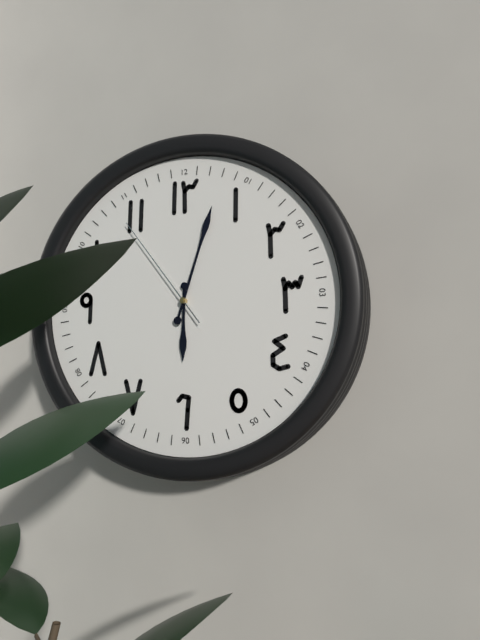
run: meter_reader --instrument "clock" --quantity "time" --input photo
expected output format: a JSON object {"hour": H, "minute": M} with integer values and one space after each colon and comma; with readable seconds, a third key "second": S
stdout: {"hour": 6, "minute": 3, "second": 54}
